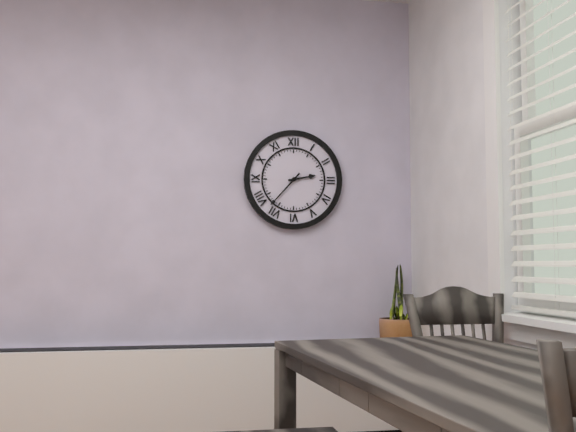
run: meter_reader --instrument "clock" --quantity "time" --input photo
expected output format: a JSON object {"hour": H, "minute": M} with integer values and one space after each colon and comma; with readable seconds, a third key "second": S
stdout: {"hour": 2, "minute": 37}
